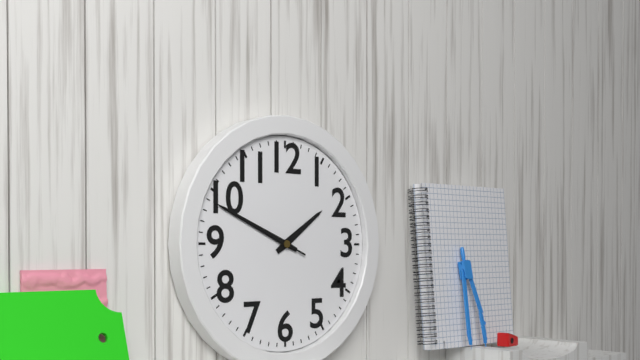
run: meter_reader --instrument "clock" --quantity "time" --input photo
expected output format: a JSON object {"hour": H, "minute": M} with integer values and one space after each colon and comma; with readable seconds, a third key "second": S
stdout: {"hour": 1, "minute": 49, "second": 49}
